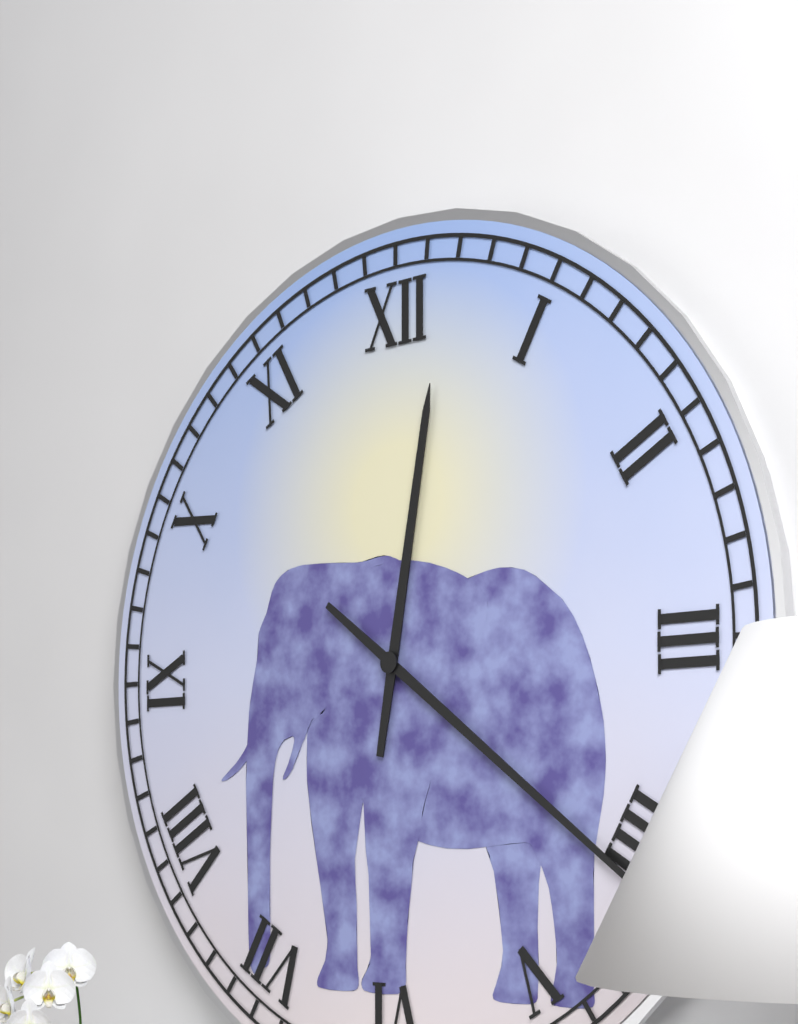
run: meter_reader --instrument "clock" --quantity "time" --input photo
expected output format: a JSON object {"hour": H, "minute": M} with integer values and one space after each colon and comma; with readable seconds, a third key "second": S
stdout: {"hour": 12, "minute": 21}
